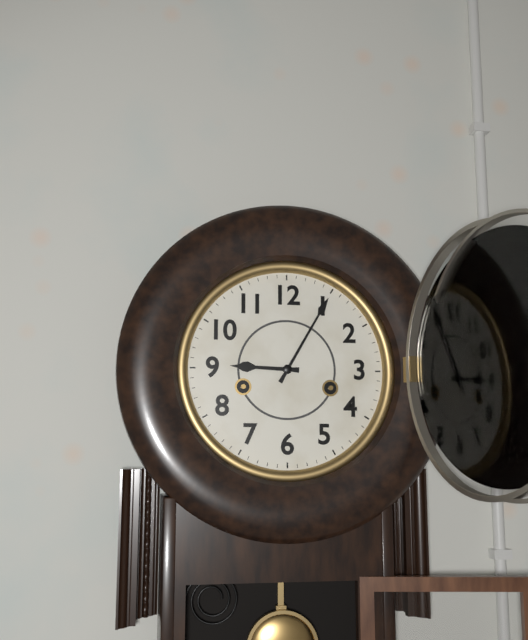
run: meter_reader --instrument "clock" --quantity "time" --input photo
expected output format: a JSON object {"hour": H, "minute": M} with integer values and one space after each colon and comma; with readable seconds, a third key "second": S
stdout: {"hour": 9, "minute": 5}
